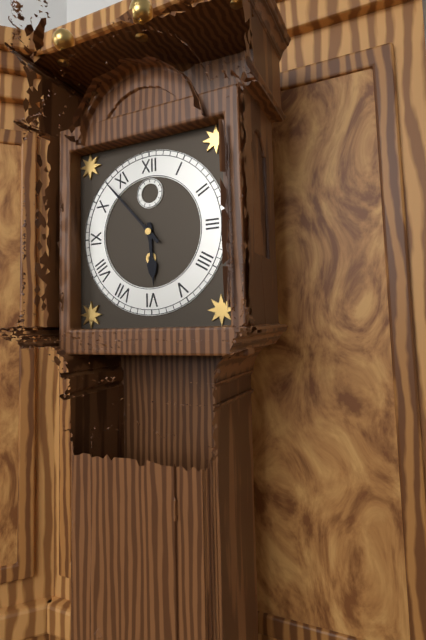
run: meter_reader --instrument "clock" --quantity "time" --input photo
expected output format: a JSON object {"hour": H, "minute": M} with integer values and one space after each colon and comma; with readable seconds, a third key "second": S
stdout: {"hour": 5, "minute": 53}
